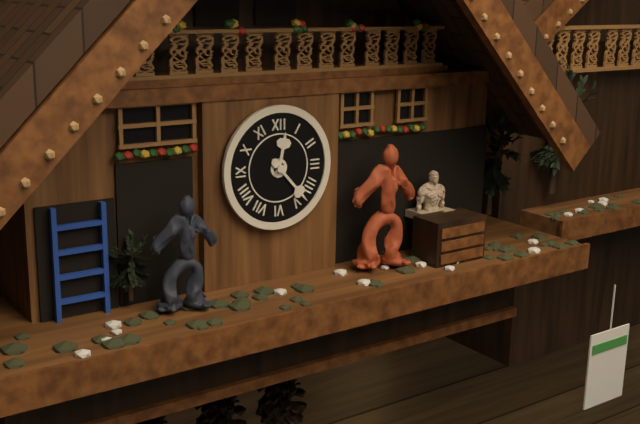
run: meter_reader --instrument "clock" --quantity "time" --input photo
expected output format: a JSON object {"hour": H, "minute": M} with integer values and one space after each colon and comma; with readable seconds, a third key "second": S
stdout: {"hour": 12, "minute": 23}
